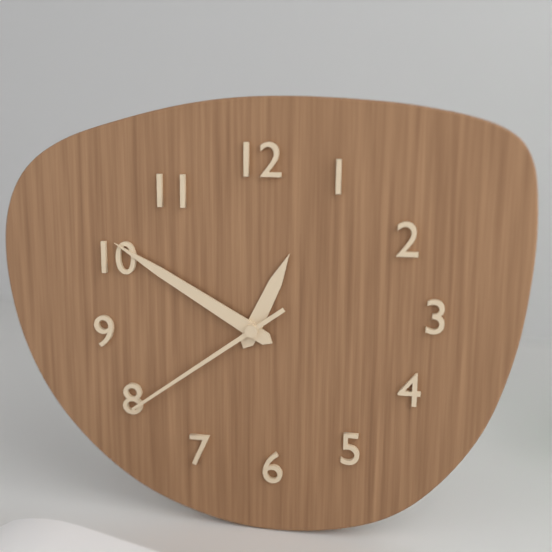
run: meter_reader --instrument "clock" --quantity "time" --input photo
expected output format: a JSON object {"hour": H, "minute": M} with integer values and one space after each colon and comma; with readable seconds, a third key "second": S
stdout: {"hour": 12, "minute": 50, "second": 39}
